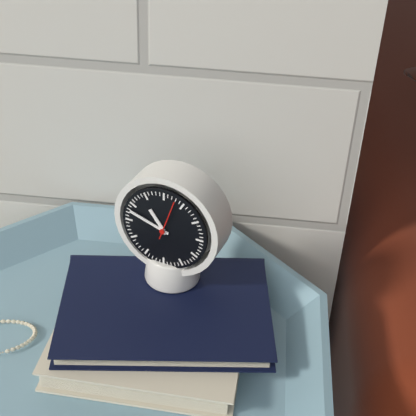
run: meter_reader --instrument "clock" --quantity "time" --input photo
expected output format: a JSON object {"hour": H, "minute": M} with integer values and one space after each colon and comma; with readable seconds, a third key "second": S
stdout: {"hour": 10, "minute": 48}
